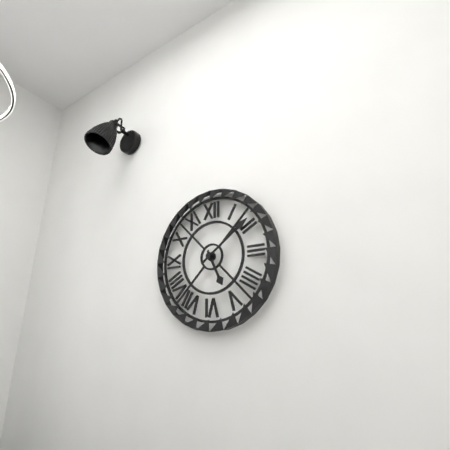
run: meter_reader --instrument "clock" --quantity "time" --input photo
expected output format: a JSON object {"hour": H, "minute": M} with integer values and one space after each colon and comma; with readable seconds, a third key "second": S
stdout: {"hour": 5, "minute": 9}
